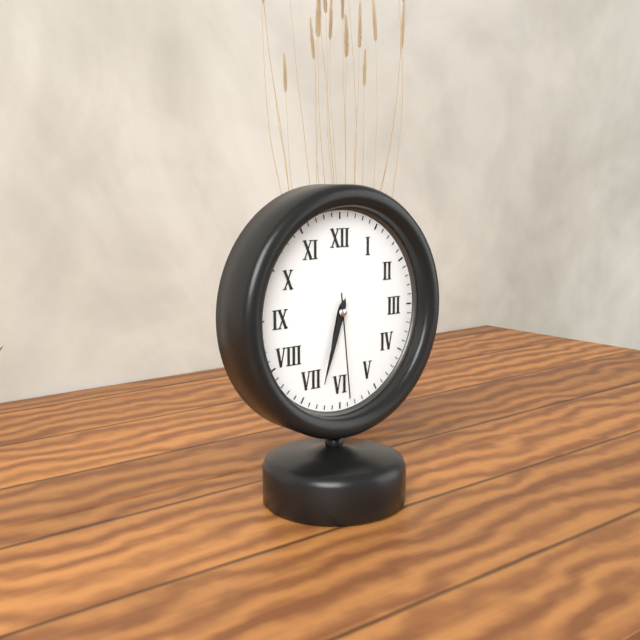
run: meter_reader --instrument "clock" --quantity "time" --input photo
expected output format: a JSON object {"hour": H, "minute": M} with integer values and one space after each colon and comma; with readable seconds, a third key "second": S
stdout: {"hour": 6, "minute": 33, "second": 29}
